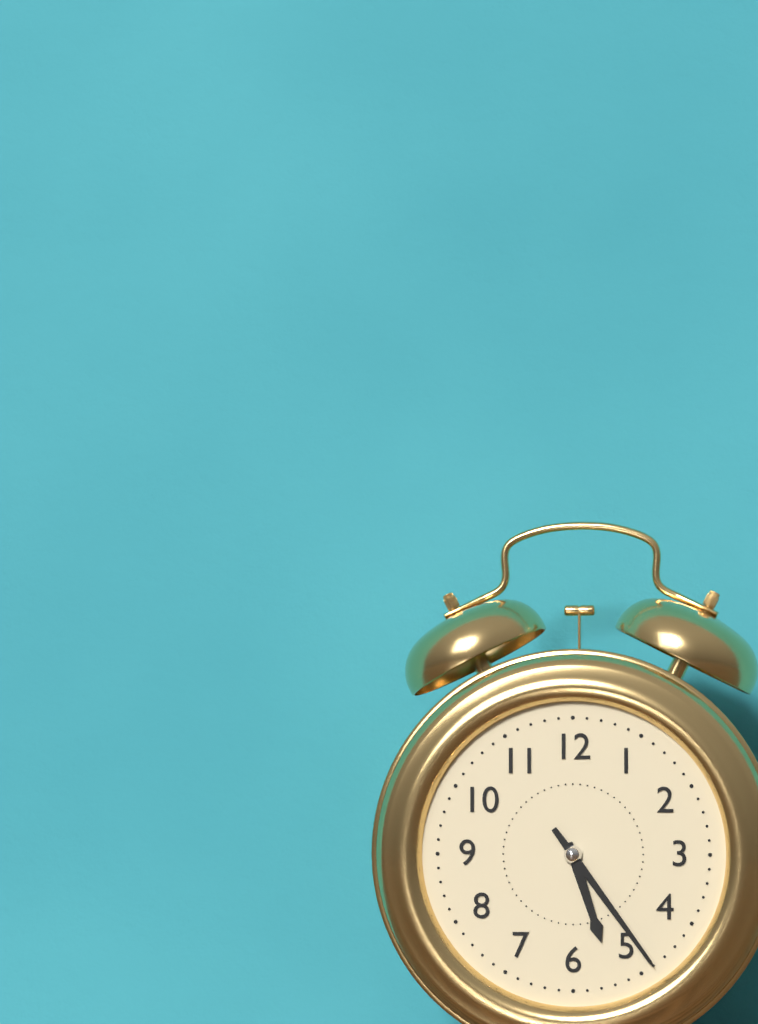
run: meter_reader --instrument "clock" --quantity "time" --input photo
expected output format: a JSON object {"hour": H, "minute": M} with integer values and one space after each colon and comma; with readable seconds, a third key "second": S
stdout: {"hour": 5, "minute": 24}
